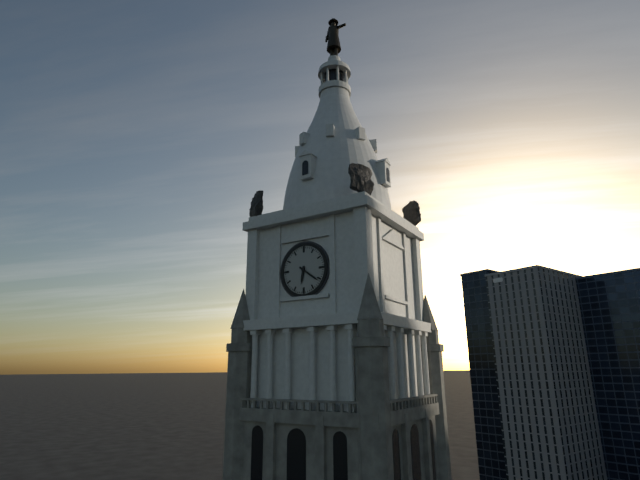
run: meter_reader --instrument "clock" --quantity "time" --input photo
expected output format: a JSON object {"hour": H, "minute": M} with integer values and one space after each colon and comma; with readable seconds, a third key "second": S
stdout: {"hour": 6, "minute": 21}
